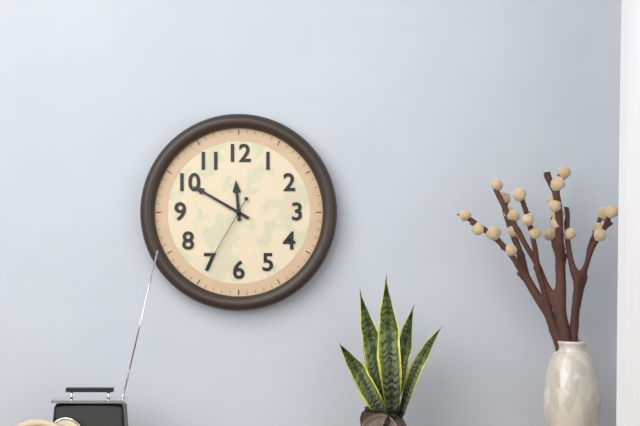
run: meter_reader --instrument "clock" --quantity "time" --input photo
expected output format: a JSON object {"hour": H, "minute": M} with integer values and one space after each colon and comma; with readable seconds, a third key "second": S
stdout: {"hour": 11, "minute": 50, "second": 35}
